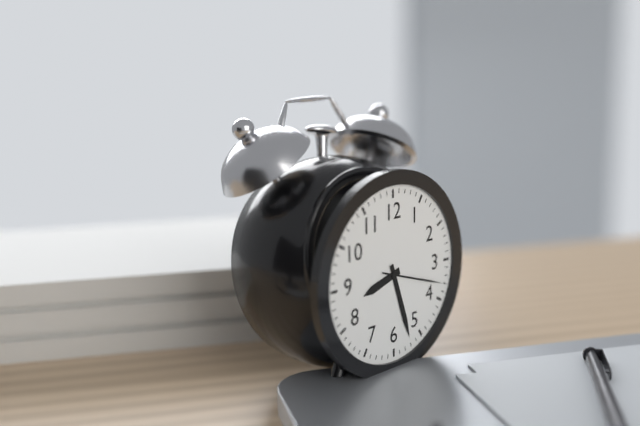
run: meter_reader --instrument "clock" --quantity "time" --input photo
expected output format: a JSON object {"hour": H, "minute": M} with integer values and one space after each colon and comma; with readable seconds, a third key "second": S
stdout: {"hour": 8, "minute": 27, "second": 18}
